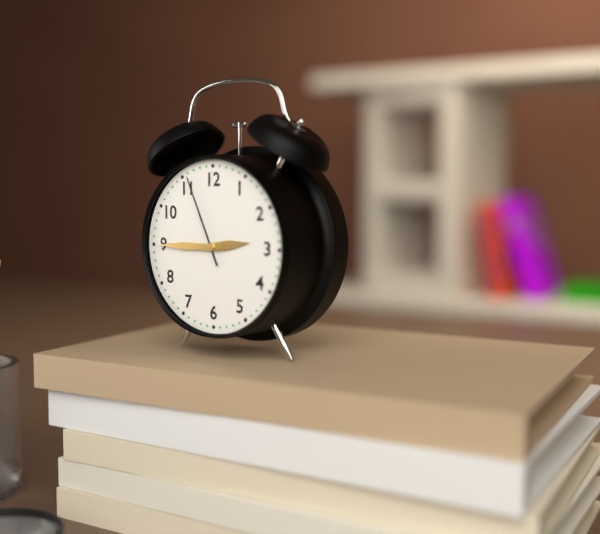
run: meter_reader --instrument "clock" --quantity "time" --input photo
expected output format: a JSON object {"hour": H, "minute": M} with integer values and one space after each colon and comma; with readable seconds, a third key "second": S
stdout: {"hour": 2, "minute": 45, "second": 56}
